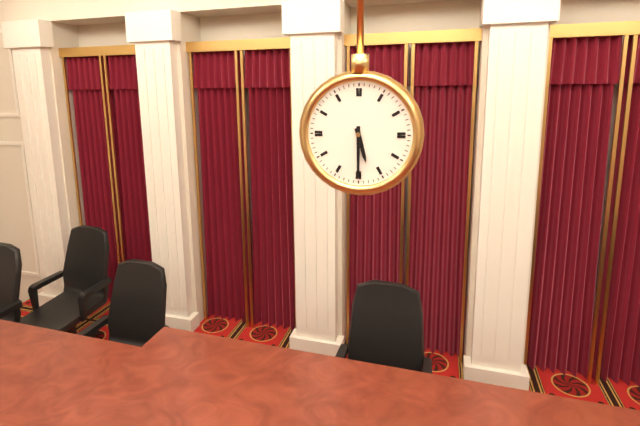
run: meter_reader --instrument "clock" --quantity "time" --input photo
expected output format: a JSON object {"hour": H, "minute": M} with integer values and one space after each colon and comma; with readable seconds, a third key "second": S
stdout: {"hour": 5, "minute": 30}
